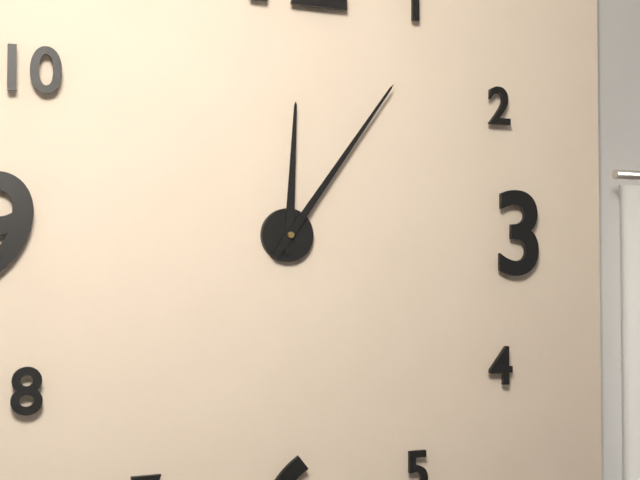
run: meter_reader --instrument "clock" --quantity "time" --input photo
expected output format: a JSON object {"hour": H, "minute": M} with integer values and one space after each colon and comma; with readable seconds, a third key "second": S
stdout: {"hour": 12, "minute": 6}
